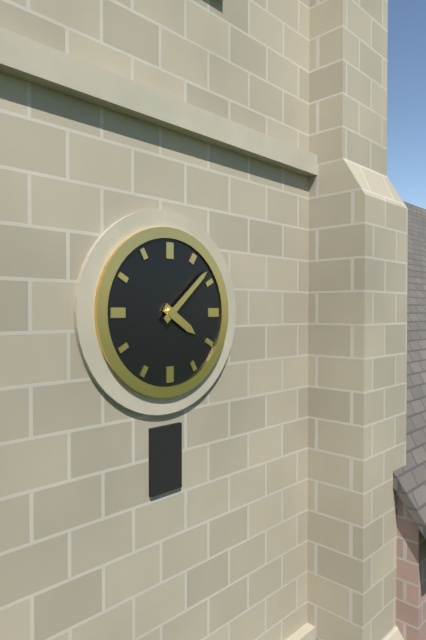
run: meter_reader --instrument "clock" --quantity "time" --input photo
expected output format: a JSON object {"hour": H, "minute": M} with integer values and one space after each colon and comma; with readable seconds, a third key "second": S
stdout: {"hour": 4, "minute": 8}
